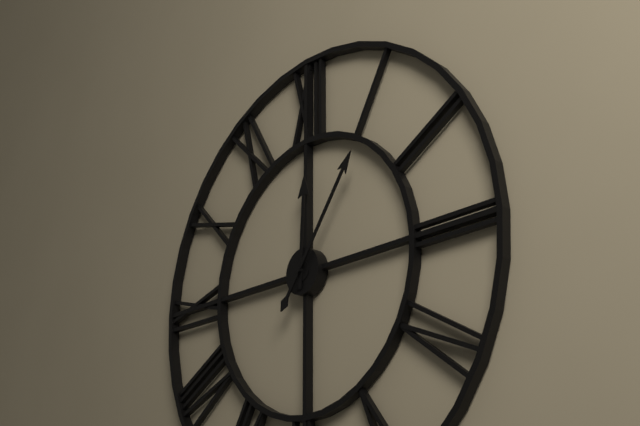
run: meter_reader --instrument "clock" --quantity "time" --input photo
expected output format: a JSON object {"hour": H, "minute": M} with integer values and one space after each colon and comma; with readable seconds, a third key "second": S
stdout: {"hour": 12, "minute": 6}
